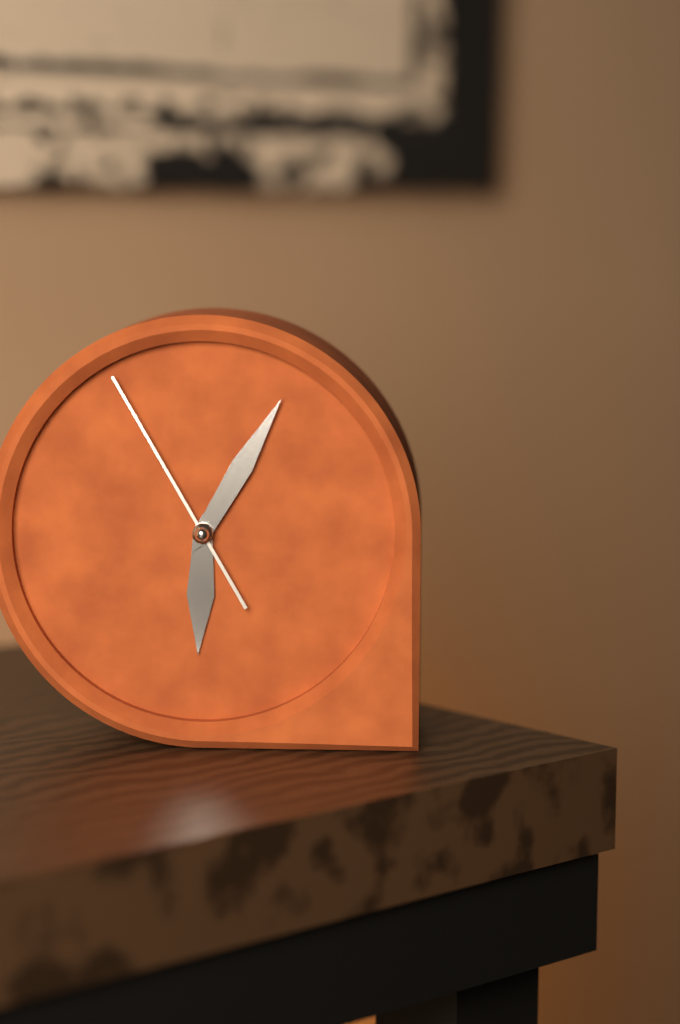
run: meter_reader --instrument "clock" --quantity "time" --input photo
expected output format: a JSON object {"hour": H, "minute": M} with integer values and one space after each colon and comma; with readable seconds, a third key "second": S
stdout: {"hour": 6, "minute": 5, "second": 55}
